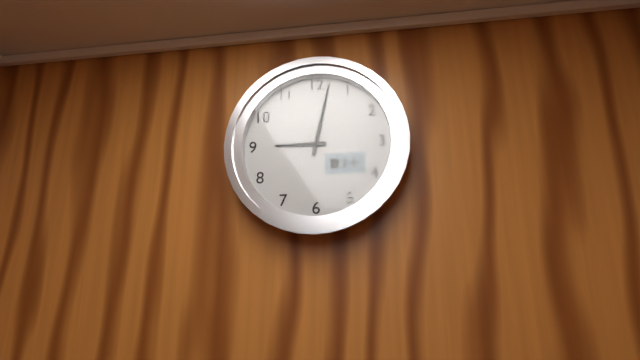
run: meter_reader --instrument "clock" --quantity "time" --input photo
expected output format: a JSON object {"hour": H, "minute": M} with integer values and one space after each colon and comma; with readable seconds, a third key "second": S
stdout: {"hour": 9, "minute": 2}
